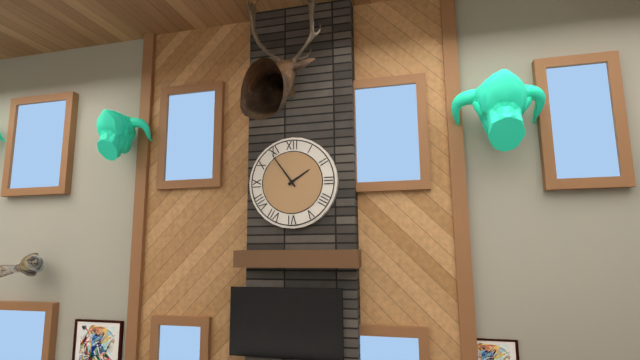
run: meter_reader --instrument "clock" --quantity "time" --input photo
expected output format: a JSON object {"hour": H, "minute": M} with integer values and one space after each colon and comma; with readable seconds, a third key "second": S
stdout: {"hour": 1, "minute": 54}
